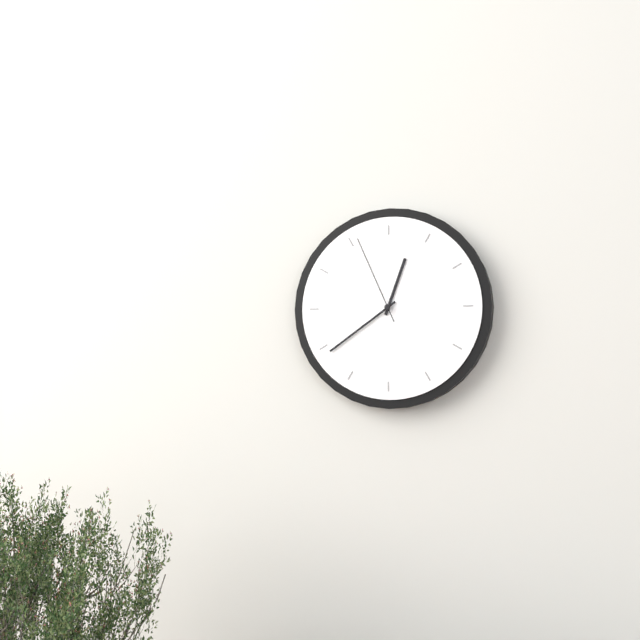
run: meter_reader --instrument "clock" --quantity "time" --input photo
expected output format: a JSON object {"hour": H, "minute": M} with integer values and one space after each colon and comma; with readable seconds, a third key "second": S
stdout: {"hour": 12, "minute": 39, "second": 56}
